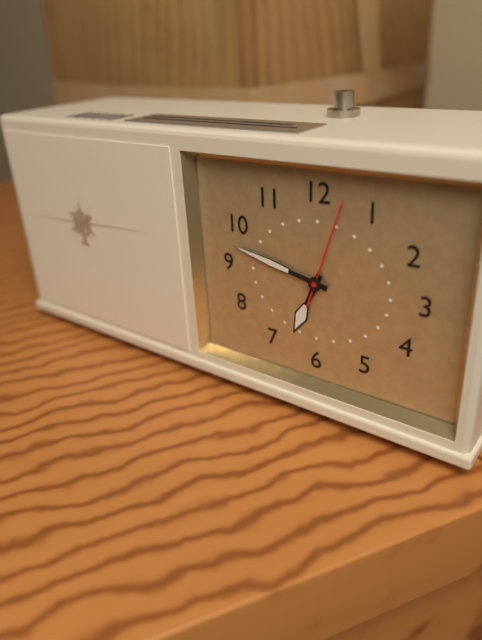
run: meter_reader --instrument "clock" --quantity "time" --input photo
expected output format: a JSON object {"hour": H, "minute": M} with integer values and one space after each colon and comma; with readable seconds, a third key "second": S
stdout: {"hour": 6, "minute": 47, "second": 3}
